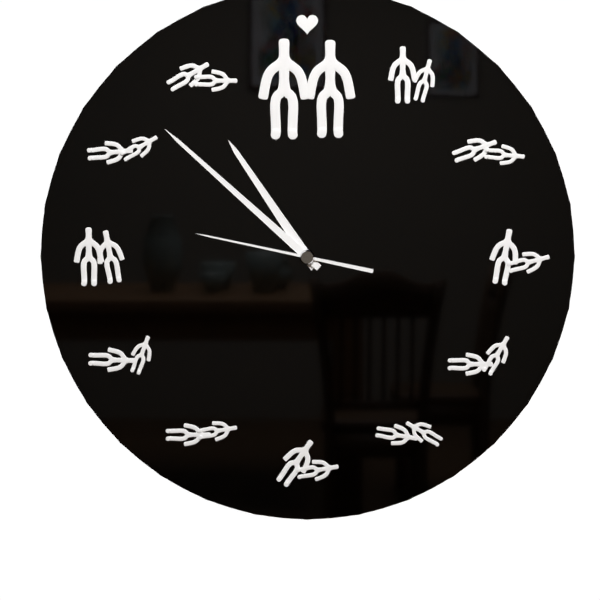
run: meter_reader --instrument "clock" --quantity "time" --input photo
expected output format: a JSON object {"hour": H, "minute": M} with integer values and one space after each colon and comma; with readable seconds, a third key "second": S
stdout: {"hour": 10, "minute": 52, "second": 47}
